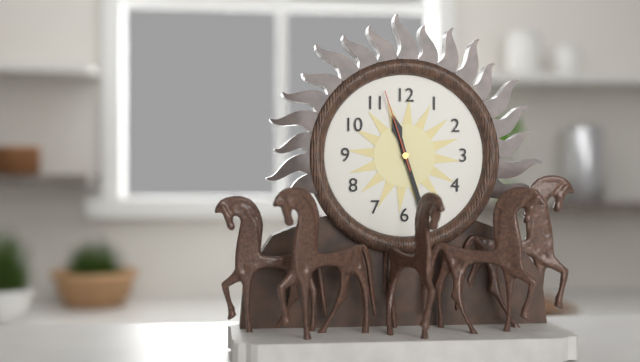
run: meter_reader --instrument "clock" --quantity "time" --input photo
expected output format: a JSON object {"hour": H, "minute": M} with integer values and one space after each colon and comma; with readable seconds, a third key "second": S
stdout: {"hour": 11, "minute": 27, "second": 57}
